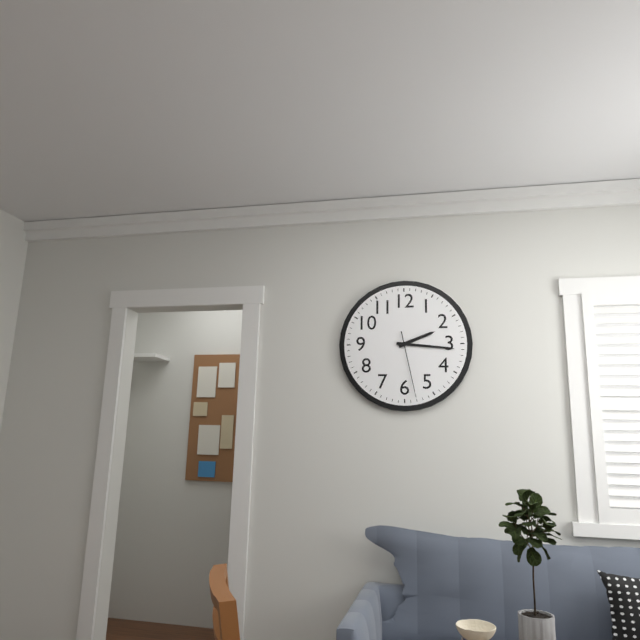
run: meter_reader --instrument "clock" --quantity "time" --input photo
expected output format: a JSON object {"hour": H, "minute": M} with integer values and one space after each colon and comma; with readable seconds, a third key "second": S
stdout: {"hour": 2, "minute": 16, "second": 28}
